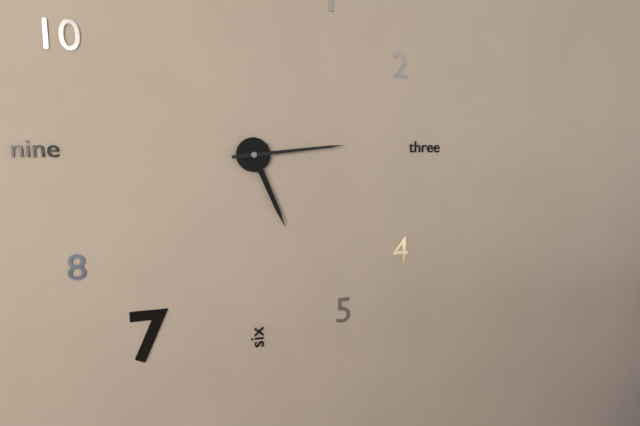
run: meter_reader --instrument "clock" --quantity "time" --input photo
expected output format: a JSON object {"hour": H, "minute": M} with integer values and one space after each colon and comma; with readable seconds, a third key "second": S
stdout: {"hour": 5, "minute": 14}
